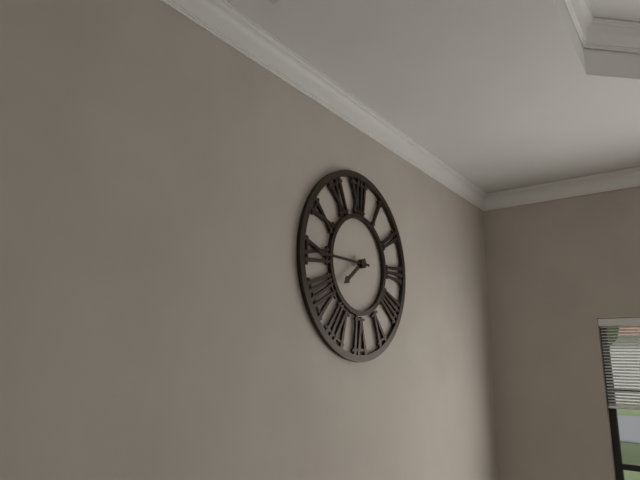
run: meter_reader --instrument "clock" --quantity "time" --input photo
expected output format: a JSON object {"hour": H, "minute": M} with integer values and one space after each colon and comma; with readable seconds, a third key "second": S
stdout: {"hour": 7, "minute": 45}
